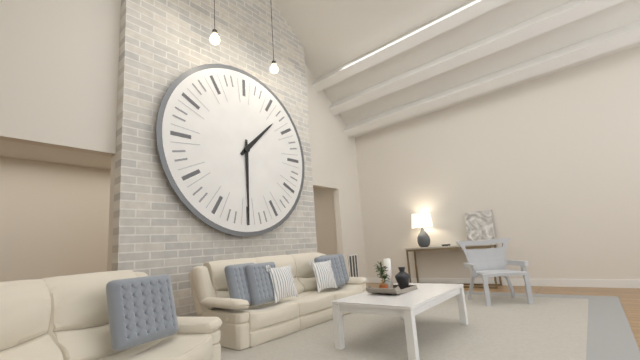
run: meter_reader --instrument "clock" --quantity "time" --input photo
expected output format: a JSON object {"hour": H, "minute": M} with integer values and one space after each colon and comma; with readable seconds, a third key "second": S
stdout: {"hour": 1, "minute": 30}
